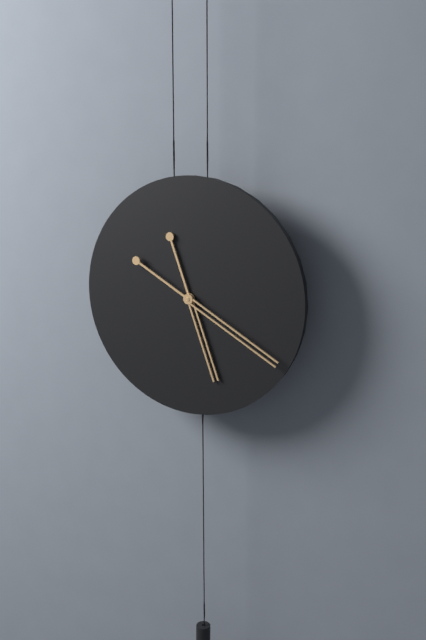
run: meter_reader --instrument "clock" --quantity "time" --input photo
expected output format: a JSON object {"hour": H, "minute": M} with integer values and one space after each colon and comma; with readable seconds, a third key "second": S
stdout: {"hour": 5, "minute": 20}
